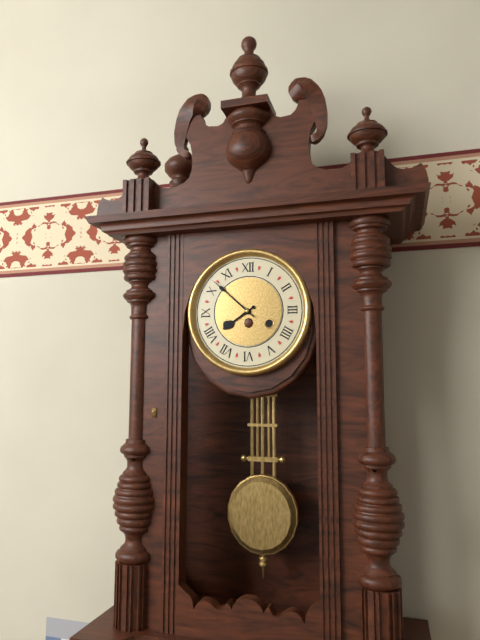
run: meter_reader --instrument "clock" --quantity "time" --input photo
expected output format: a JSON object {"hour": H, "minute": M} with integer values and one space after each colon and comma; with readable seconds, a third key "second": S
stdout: {"hour": 7, "minute": 52}
